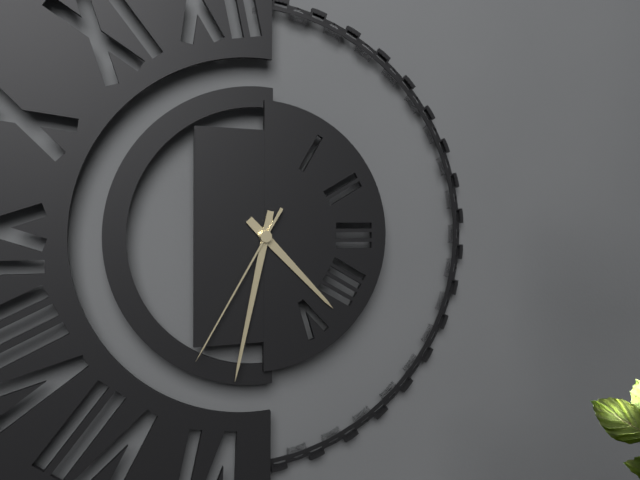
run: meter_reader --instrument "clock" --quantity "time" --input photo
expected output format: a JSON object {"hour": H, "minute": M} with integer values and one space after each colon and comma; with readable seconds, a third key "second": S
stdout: {"hour": 4, "minute": 32, "second": 35}
